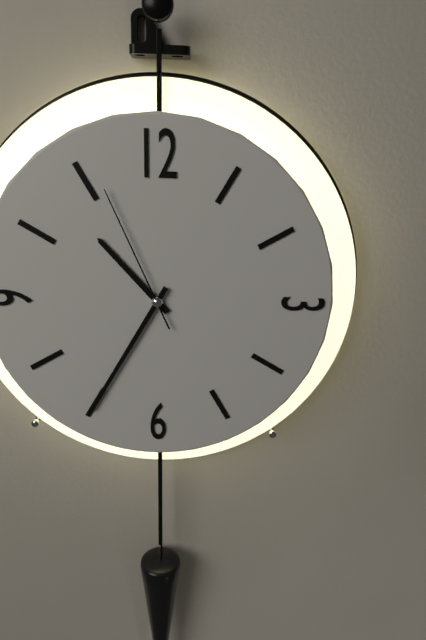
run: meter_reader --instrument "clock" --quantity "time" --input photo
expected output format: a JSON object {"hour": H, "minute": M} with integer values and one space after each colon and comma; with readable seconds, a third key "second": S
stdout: {"hour": 10, "minute": 35, "second": 56}
